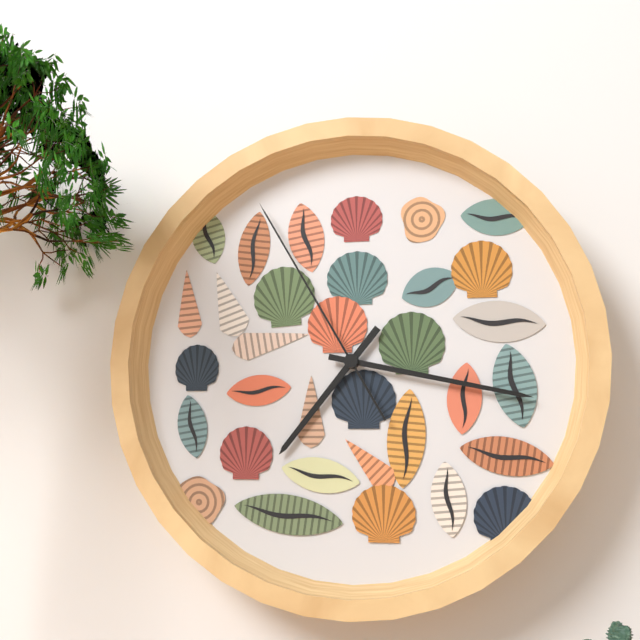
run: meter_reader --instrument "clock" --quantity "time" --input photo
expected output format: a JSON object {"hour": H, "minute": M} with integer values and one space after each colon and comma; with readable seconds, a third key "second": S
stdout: {"hour": 7, "minute": 17, "second": 55}
